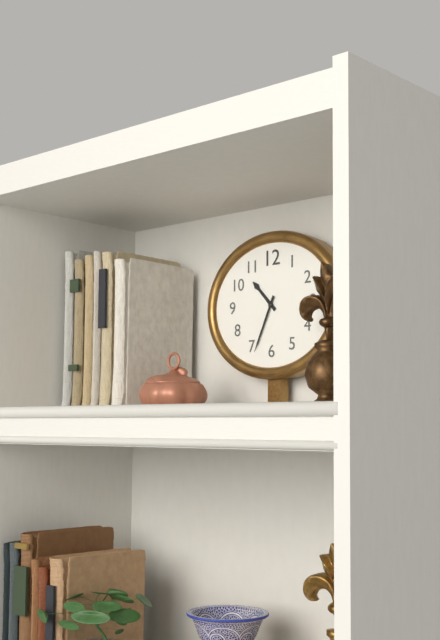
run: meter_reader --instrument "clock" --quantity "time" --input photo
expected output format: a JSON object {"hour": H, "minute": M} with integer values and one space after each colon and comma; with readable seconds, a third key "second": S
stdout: {"hour": 10, "minute": 34}
